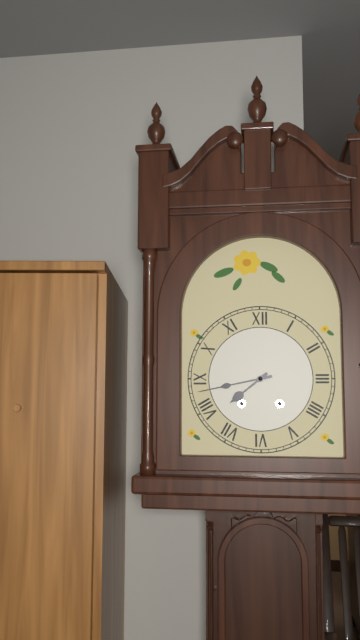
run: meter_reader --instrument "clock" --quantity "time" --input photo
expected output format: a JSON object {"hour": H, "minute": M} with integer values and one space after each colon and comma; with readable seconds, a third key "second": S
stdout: {"hour": 7, "minute": 43}
